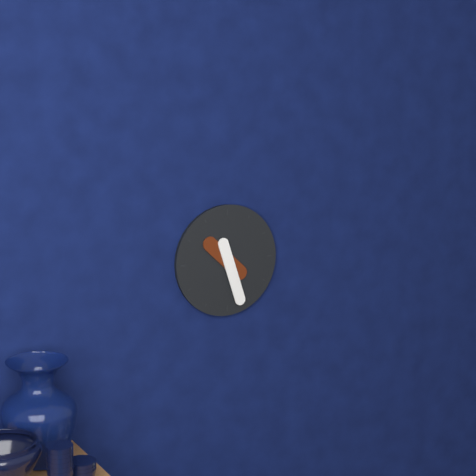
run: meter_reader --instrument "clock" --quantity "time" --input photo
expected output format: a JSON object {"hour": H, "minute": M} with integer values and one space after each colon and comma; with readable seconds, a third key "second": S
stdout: {"hour": 10, "minute": 27}
